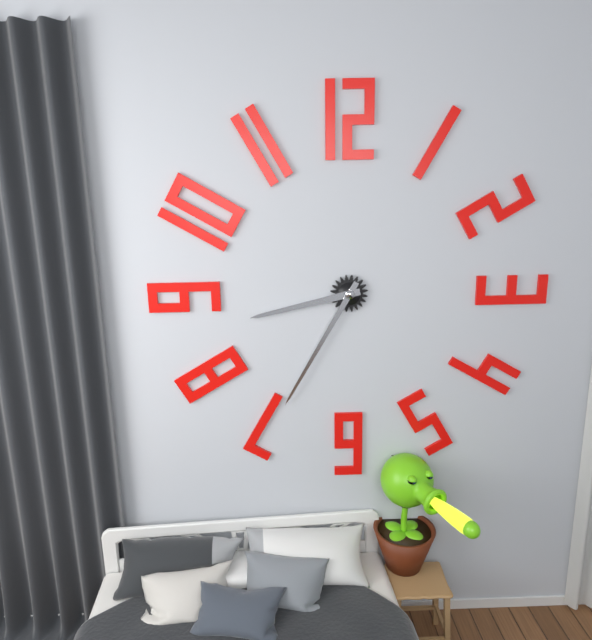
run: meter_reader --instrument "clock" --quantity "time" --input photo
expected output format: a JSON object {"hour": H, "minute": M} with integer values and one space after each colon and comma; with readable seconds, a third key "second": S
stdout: {"hour": 8, "minute": 35}
